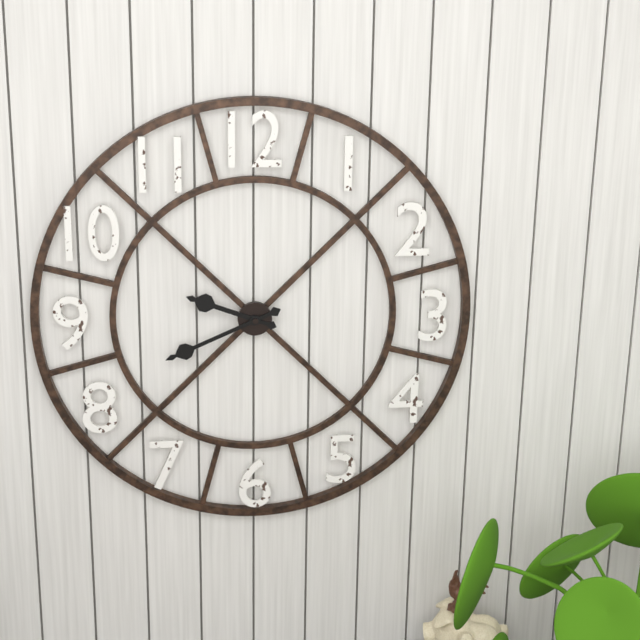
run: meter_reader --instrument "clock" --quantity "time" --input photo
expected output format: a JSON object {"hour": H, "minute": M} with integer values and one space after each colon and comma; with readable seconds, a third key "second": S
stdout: {"hour": 9, "minute": 41}
